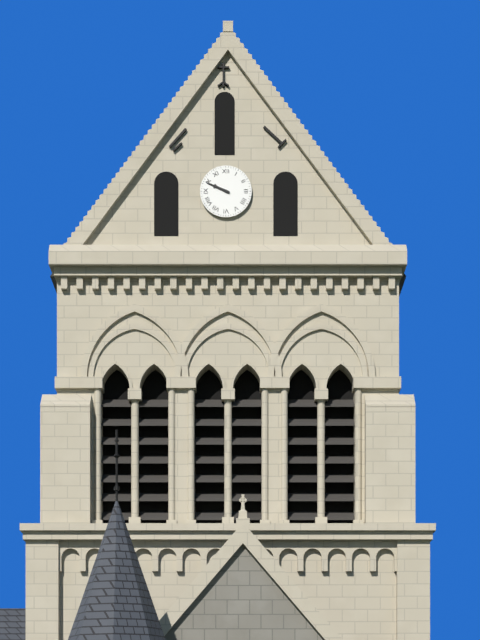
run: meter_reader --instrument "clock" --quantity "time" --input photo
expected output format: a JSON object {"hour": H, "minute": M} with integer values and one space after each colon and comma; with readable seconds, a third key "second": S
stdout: {"hour": 9, "minute": 49}
